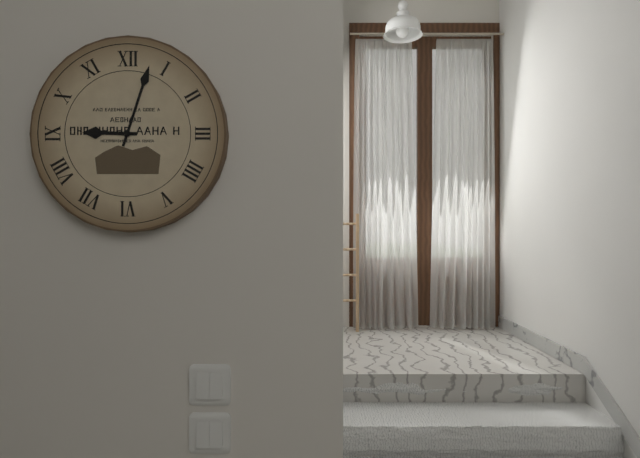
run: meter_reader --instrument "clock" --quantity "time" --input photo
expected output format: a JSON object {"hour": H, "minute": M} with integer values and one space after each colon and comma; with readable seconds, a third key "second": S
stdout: {"hour": 9, "minute": 3}
